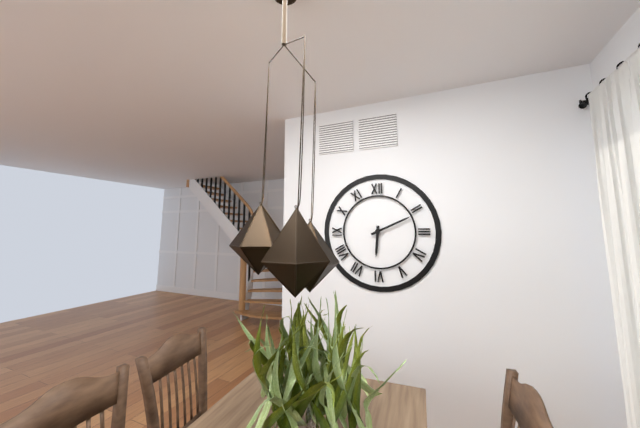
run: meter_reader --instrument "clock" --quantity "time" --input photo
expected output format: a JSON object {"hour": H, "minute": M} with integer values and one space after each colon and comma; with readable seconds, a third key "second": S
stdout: {"hour": 6, "minute": 11}
